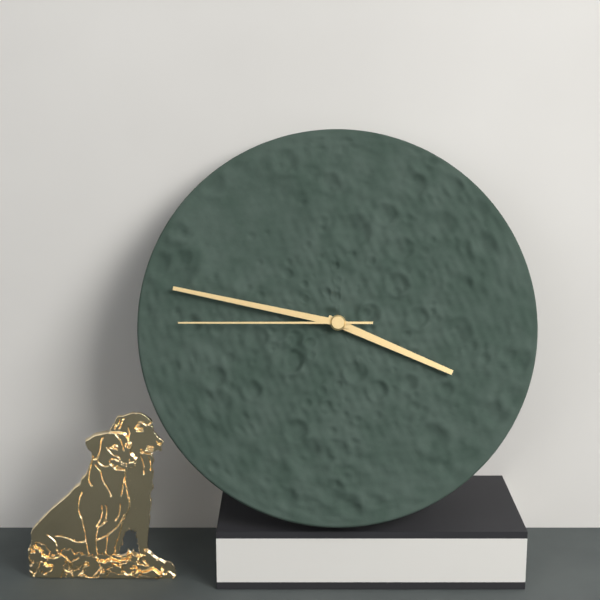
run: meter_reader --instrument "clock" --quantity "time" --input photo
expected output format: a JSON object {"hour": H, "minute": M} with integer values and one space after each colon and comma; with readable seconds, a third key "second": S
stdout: {"hour": 3, "minute": 47, "second": 45}
